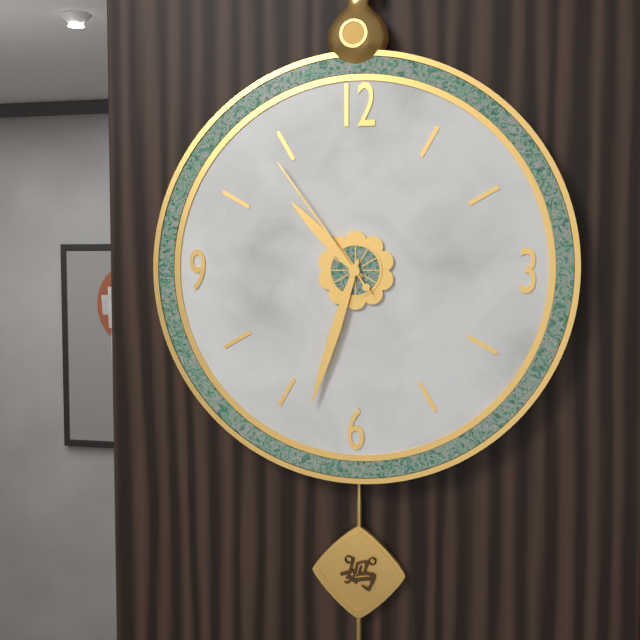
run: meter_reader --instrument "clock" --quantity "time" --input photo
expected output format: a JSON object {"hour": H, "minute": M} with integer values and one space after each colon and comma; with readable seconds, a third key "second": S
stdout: {"hour": 10, "minute": 33, "second": 54}
